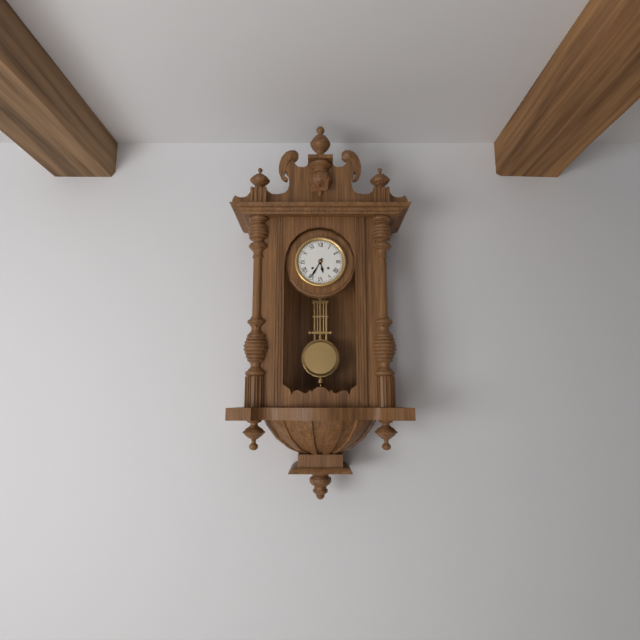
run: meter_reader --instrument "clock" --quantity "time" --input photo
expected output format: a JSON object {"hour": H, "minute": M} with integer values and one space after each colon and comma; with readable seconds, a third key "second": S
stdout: {"hour": 5, "minute": 35}
